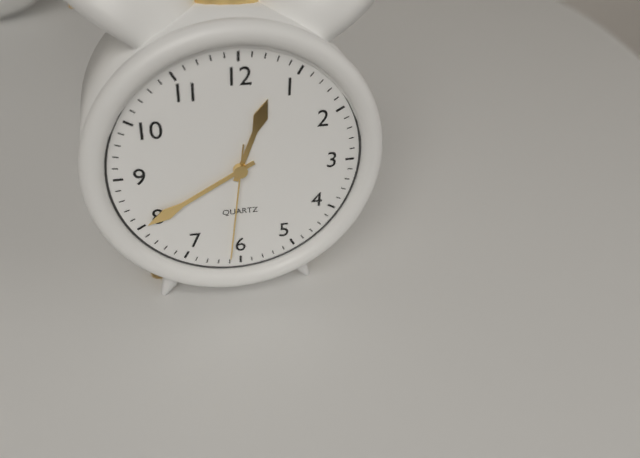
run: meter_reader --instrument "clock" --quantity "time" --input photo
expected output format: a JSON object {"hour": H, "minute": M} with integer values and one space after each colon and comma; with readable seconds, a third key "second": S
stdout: {"hour": 12, "minute": 40, "second": 31}
